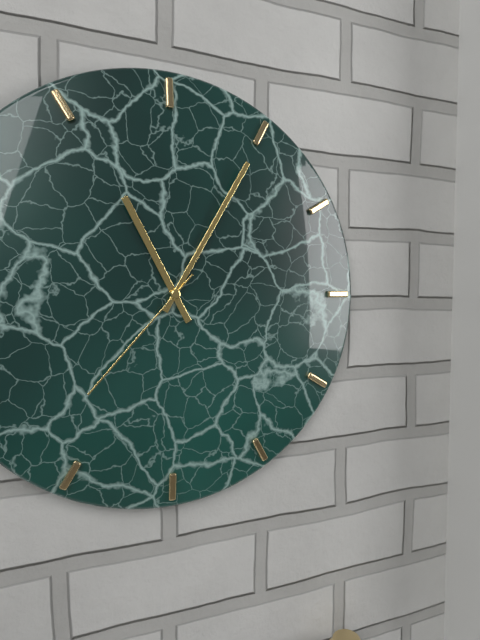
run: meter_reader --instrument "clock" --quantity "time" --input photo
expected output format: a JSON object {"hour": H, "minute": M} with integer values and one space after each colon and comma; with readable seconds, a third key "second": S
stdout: {"hour": 11, "minute": 5, "second": 37}
